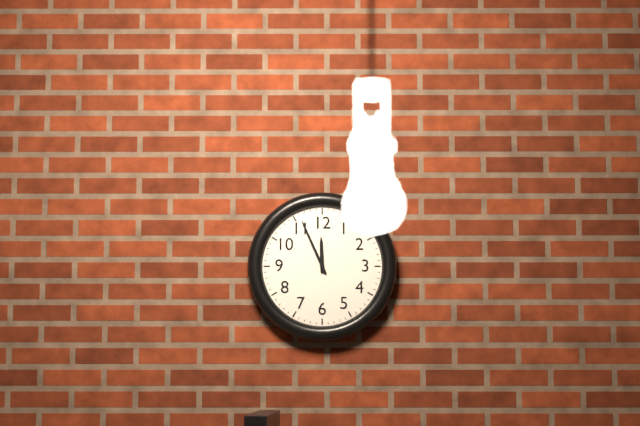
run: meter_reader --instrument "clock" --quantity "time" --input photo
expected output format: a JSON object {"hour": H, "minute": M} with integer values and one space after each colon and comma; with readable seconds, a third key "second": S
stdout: {"hour": 11, "minute": 56}
